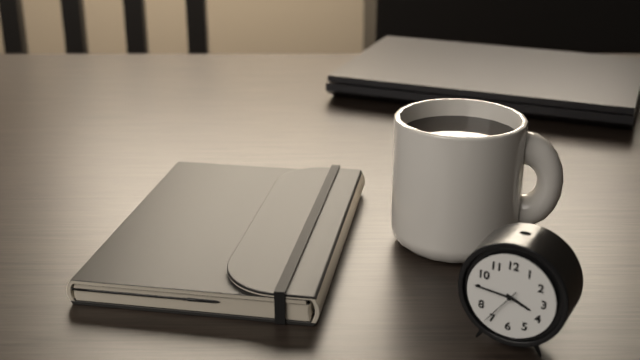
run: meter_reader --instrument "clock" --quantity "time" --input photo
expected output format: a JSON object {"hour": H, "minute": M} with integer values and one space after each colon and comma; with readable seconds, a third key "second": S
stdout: {"hour": 3, "minute": 46}
